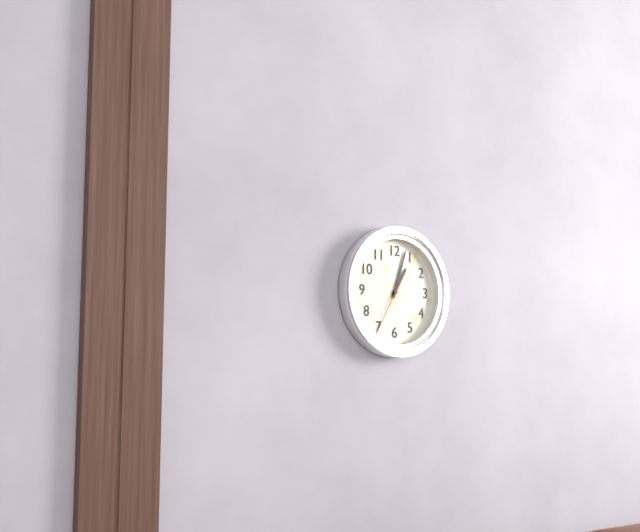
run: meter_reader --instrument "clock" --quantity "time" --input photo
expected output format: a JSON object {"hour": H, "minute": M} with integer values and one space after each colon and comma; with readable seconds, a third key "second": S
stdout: {"hour": 1, "minute": 3, "second": 35}
